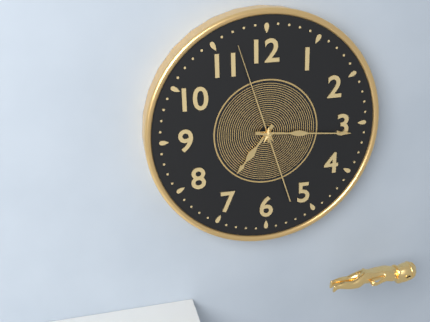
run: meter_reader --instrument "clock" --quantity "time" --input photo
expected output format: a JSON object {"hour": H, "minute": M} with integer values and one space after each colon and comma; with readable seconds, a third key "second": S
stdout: {"hour": 7, "minute": 16, "second": 57}
